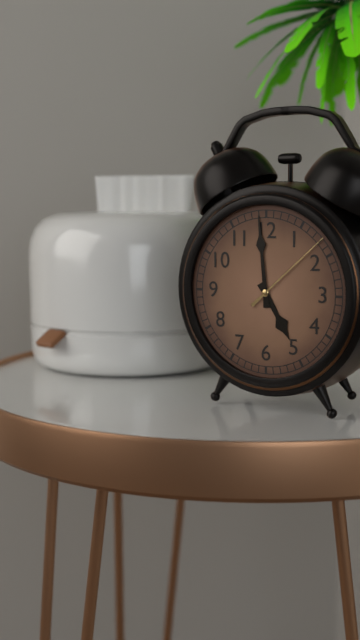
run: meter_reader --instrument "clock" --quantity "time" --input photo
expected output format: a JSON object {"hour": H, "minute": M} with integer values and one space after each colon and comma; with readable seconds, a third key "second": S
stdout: {"hour": 4, "minute": 59, "second": 8}
